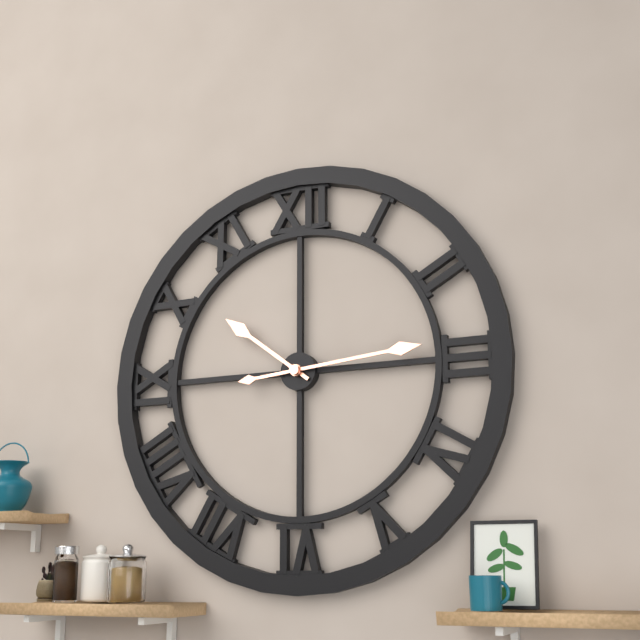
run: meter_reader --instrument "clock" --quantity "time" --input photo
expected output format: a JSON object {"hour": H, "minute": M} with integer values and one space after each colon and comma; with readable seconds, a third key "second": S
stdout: {"hour": 10, "minute": 14}
